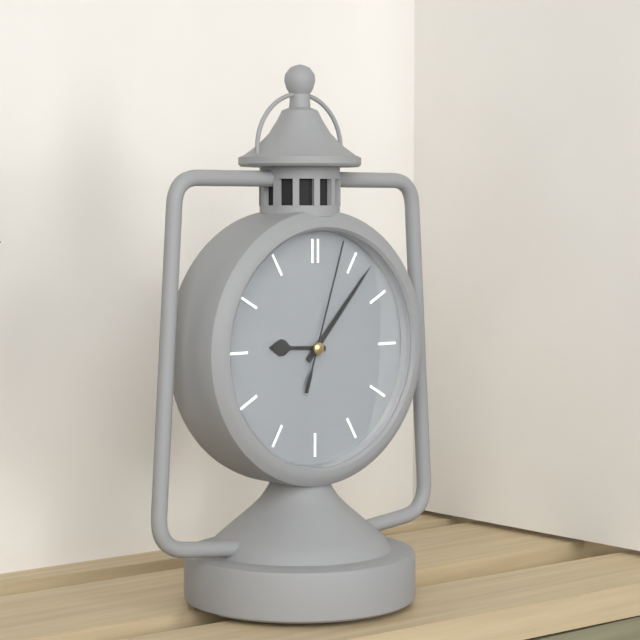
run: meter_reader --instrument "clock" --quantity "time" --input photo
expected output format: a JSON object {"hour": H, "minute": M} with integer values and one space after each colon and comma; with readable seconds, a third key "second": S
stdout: {"hour": 9, "minute": 7, "second": 3}
